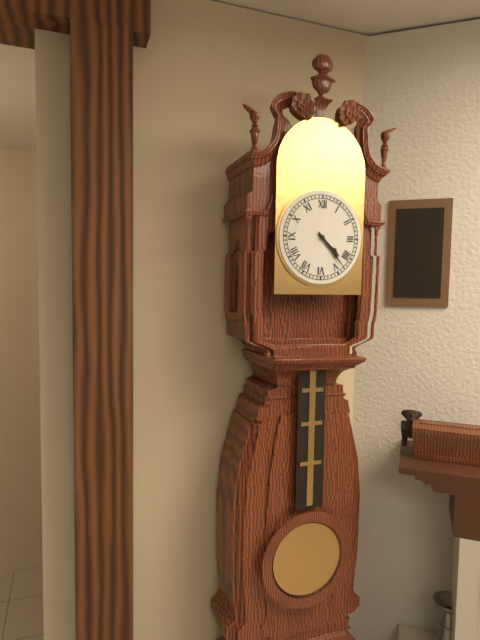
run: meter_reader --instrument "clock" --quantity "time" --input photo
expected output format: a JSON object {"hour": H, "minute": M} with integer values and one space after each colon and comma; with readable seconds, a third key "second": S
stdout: {"hour": 4, "minute": 23}
